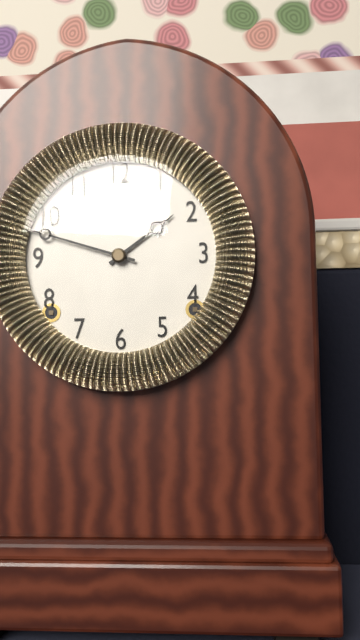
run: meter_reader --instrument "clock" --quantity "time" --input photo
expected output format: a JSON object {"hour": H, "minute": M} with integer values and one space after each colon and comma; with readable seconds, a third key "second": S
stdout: {"hour": 1, "minute": 48}
